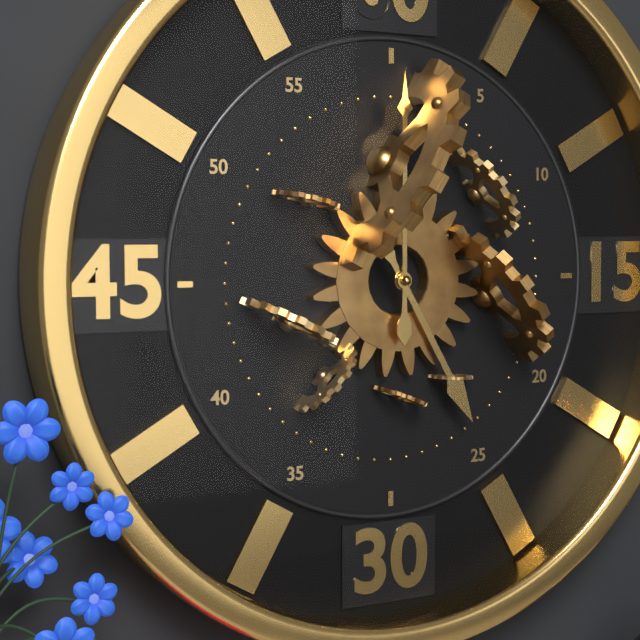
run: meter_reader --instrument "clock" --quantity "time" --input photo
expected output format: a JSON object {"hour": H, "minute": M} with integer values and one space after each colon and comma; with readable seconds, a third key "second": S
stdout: {"hour": 5, "minute": 0}
